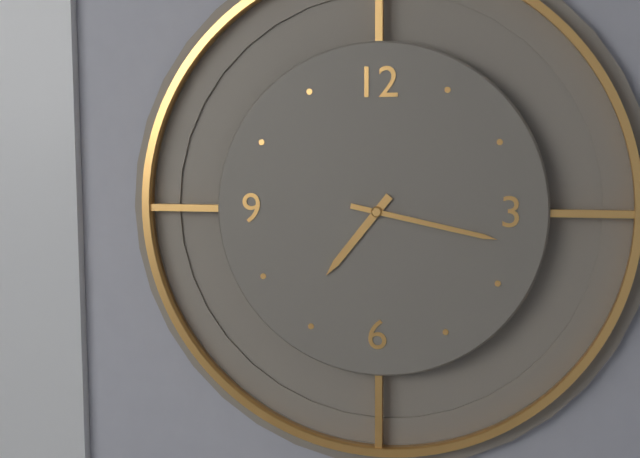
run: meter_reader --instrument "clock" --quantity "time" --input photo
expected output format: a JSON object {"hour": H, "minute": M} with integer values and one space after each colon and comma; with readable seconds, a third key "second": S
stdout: {"hour": 7, "minute": 17}
